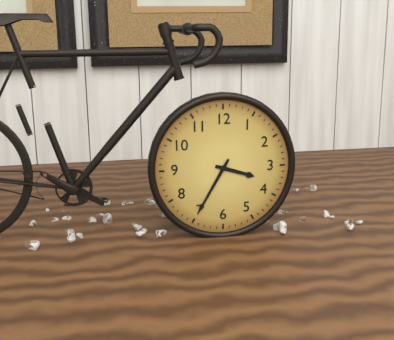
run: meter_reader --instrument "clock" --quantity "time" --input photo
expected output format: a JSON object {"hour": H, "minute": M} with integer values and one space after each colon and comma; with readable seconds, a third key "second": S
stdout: {"hour": 3, "minute": 35}
